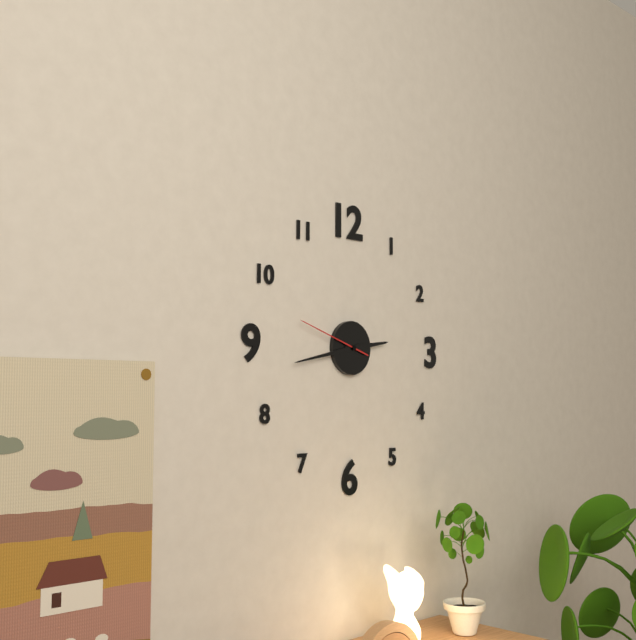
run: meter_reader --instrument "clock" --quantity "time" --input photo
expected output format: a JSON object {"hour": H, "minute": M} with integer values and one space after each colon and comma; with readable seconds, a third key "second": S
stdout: {"hour": 2, "minute": 43, "second": 48}
